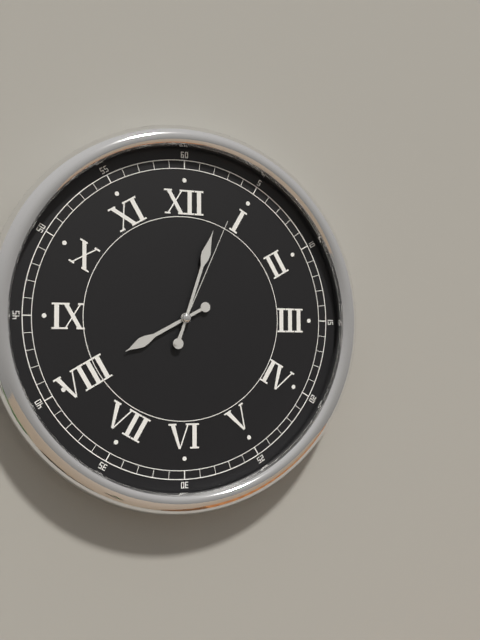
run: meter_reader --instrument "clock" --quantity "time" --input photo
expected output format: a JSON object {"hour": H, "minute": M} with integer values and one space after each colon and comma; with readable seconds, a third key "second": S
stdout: {"hour": 8, "minute": 3, "second": 4}
